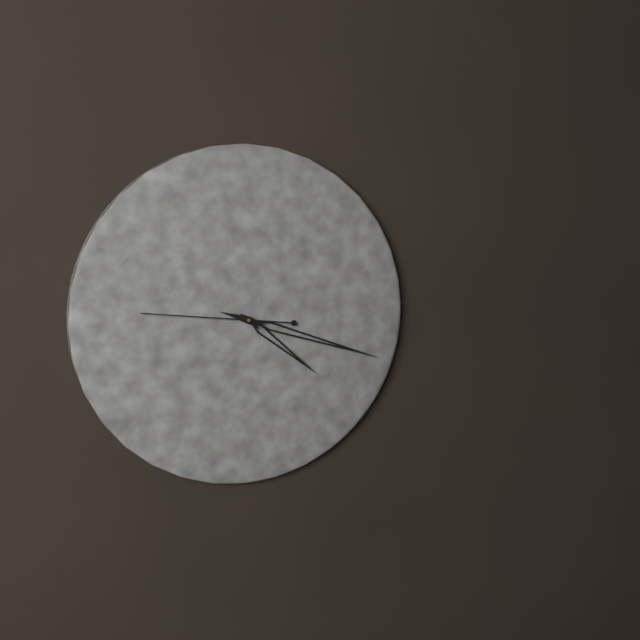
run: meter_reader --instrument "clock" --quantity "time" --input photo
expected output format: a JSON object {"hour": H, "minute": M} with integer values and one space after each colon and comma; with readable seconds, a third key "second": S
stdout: {"hour": 4, "minute": 18, "second": 46}
